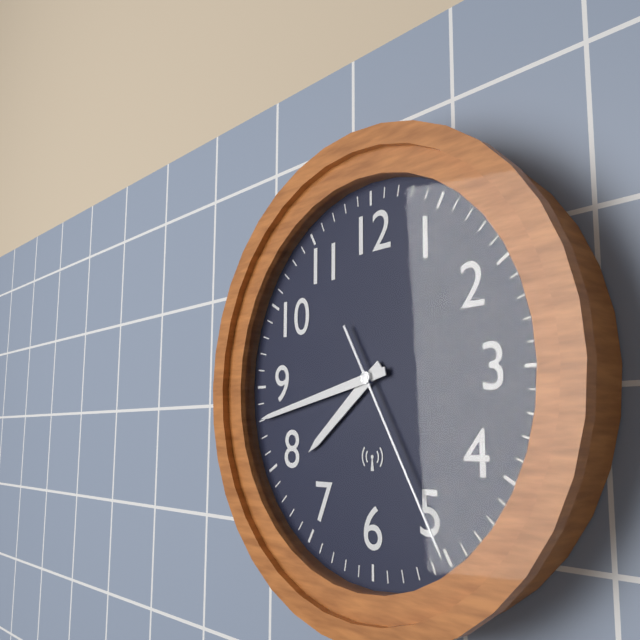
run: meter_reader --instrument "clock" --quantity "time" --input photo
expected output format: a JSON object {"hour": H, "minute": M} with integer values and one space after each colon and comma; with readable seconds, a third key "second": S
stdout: {"hour": 7, "minute": 43, "second": 25}
